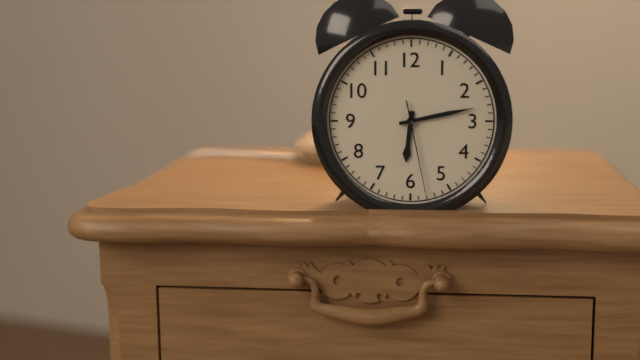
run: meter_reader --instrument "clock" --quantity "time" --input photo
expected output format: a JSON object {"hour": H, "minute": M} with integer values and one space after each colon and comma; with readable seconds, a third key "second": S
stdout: {"hour": 6, "minute": 13, "second": 28}
